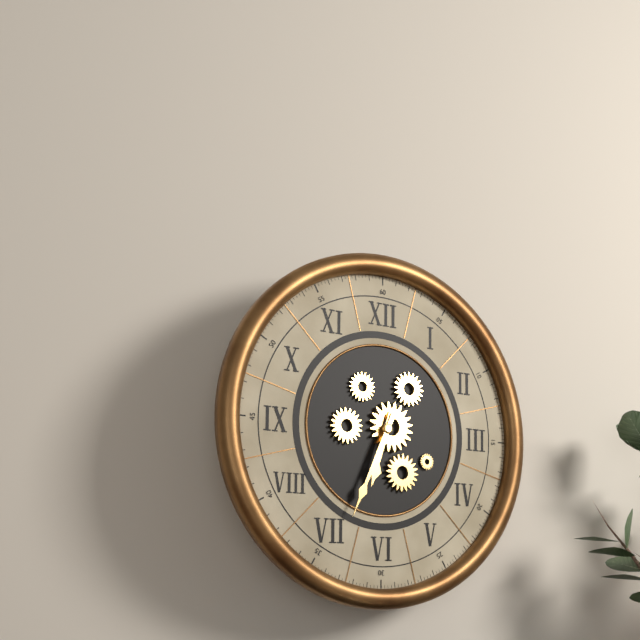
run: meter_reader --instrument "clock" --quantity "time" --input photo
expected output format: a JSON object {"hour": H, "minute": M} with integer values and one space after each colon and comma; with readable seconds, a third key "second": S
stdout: {"hour": 6, "minute": 34}
